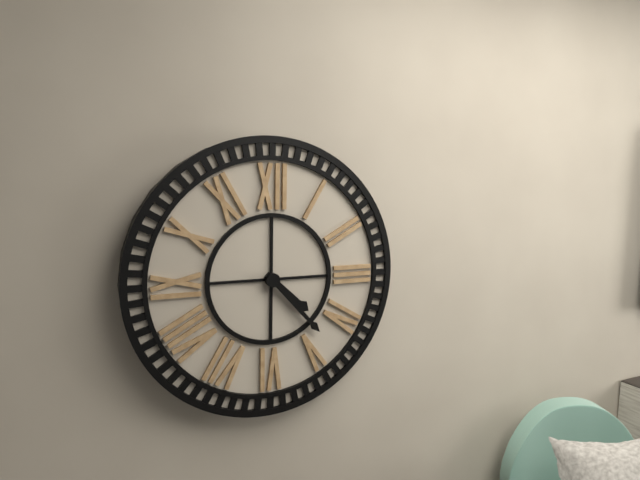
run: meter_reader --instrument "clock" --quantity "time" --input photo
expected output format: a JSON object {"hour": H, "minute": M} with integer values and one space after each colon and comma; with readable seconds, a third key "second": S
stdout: {"hour": 4, "minute": 23}
